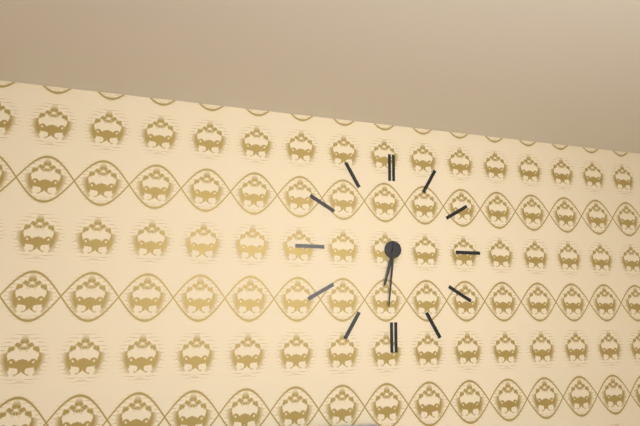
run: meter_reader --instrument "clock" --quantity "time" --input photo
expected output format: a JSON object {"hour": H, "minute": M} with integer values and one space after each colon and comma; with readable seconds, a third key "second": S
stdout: {"hour": 6, "minute": 31}
